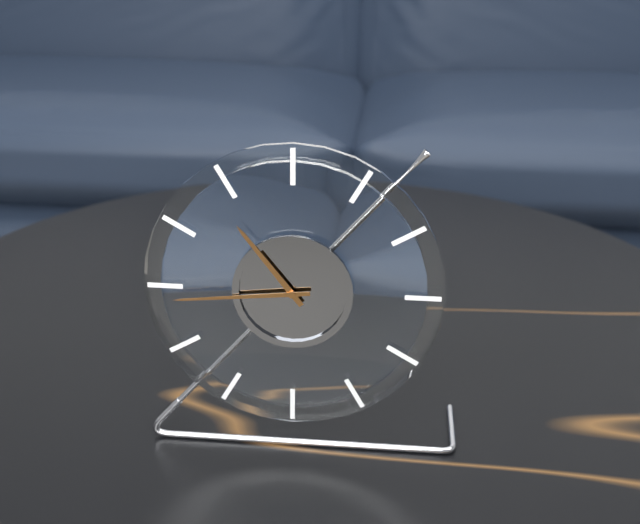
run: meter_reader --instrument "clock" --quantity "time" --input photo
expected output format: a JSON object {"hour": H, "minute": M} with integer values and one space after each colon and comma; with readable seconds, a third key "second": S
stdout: {"hour": 10, "minute": 44}
